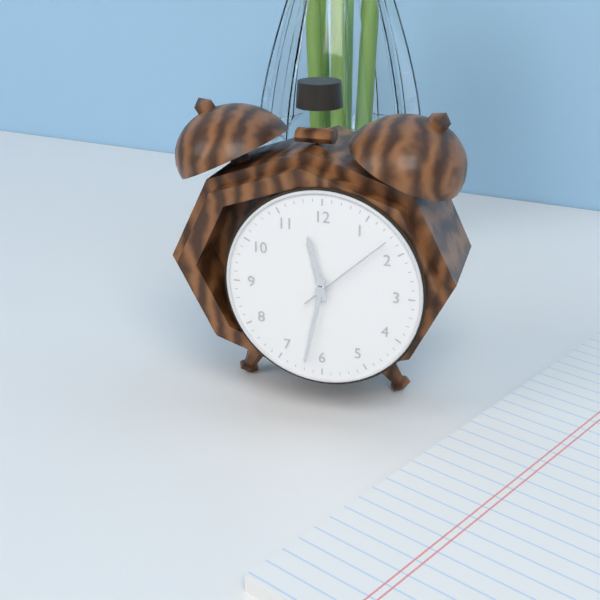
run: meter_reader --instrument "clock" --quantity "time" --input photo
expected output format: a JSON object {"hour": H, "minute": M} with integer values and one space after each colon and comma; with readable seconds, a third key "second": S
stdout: {"hour": 11, "minute": 32, "second": 8}
